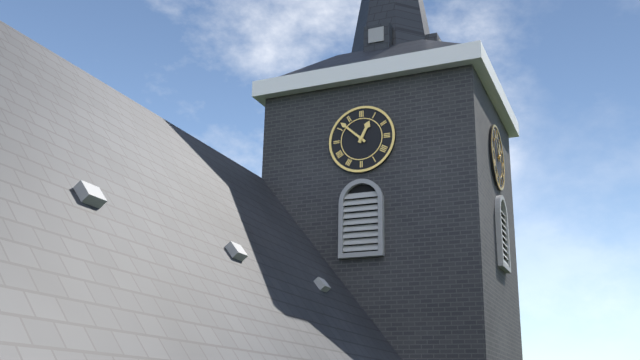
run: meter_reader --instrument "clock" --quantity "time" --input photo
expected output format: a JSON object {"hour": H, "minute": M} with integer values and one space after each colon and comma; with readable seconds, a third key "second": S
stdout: {"hour": 12, "minute": 52}
